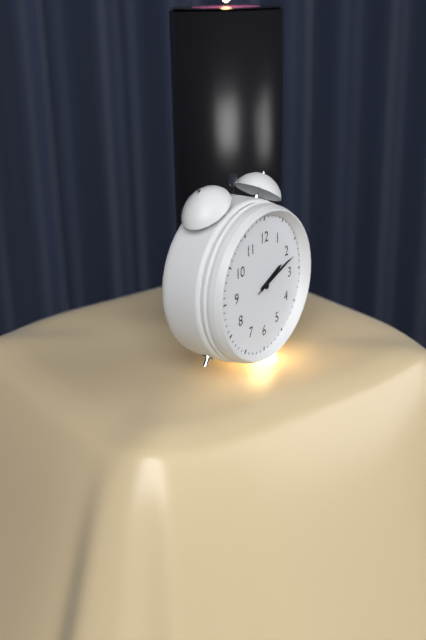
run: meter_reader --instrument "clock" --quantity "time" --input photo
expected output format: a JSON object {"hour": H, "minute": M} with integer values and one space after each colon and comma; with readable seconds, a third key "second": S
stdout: {"hour": 2, "minute": 12, "second": 12}
